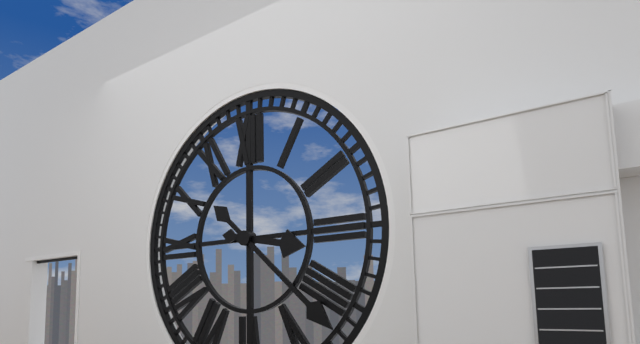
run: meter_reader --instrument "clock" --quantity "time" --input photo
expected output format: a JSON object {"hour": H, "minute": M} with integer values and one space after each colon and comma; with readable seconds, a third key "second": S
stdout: {"hour": 3, "minute": 22}
